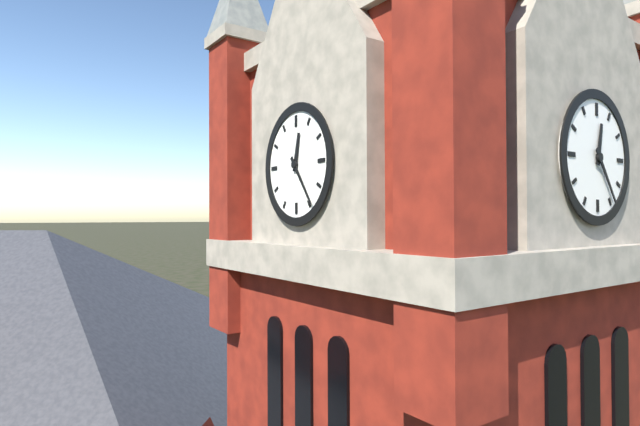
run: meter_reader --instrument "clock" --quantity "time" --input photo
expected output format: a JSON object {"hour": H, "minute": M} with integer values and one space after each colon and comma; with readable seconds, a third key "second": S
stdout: {"hour": 12, "minute": 24}
